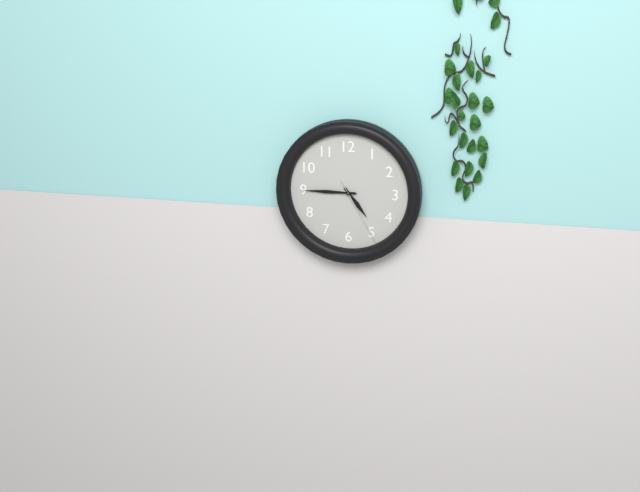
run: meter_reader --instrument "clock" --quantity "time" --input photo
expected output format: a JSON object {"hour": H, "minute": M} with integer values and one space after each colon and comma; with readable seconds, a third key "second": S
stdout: {"hour": 4, "minute": 45, "second": 25}
